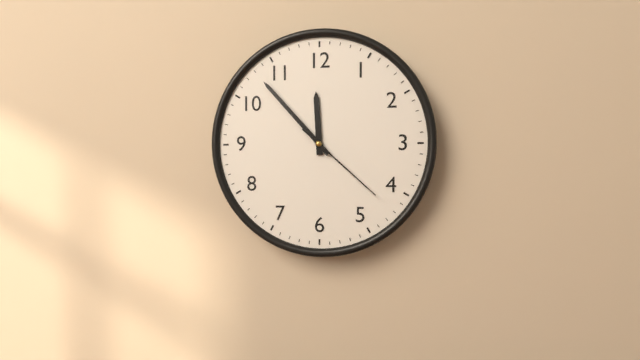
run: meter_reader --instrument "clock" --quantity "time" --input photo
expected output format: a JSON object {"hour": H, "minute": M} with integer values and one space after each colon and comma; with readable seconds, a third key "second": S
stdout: {"hour": 11, "minute": 53, "second": 22}
